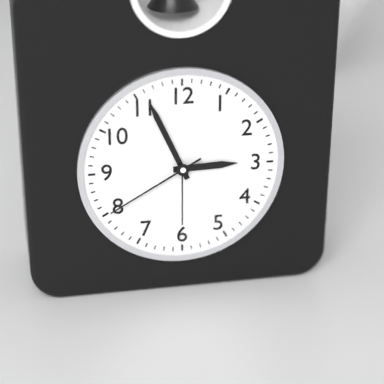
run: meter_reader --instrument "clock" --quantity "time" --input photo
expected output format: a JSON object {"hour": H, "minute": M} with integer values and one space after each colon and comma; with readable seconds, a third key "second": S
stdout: {"hour": 2, "minute": 56, "second": 40}
